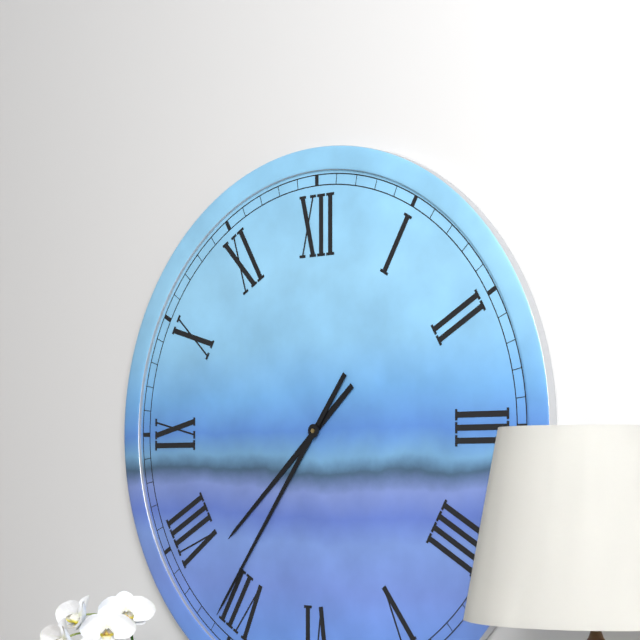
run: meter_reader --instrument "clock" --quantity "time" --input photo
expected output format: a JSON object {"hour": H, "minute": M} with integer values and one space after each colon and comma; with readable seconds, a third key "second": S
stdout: {"hour": 7, "minute": 36}
